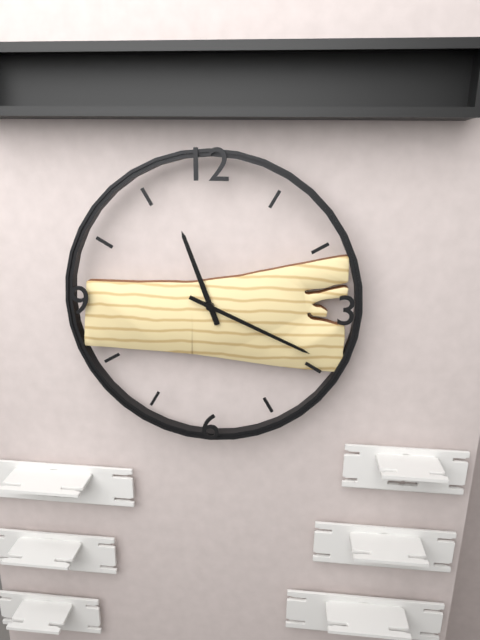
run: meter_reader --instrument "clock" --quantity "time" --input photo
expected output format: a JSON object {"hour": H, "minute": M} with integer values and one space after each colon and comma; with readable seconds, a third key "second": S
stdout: {"hour": 11, "minute": 19}
